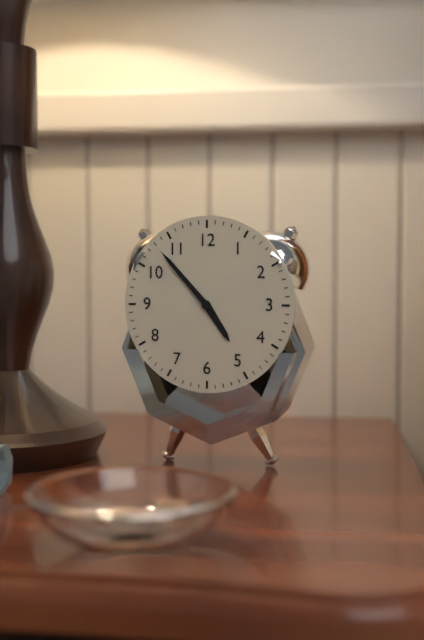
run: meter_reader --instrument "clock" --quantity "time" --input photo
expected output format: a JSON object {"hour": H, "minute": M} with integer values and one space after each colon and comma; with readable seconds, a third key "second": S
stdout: {"hour": 4, "minute": 53}
